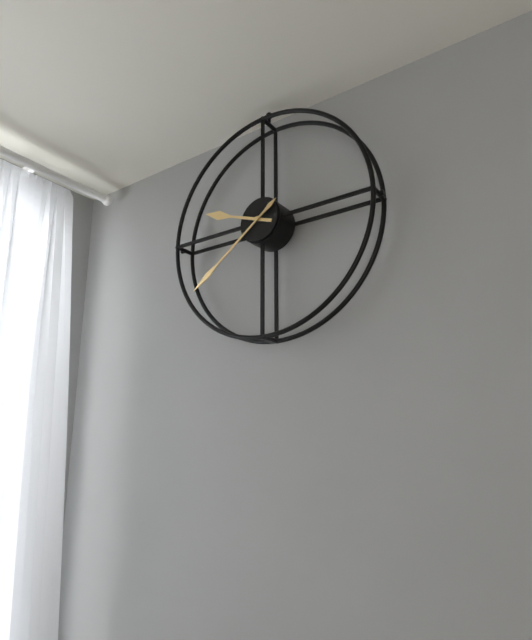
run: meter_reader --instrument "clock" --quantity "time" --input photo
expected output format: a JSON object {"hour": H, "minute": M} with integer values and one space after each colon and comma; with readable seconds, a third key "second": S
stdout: {"hour": 9, "minute": 39}
